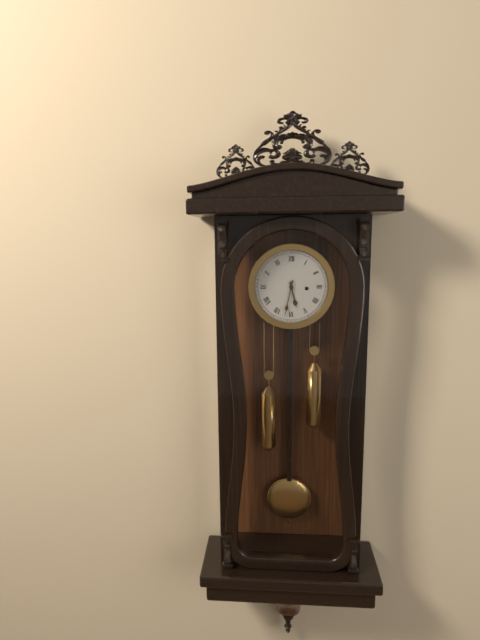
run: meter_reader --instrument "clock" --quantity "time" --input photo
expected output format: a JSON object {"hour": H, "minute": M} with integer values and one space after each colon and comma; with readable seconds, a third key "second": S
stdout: {"hour": 5, "minute": 32}
